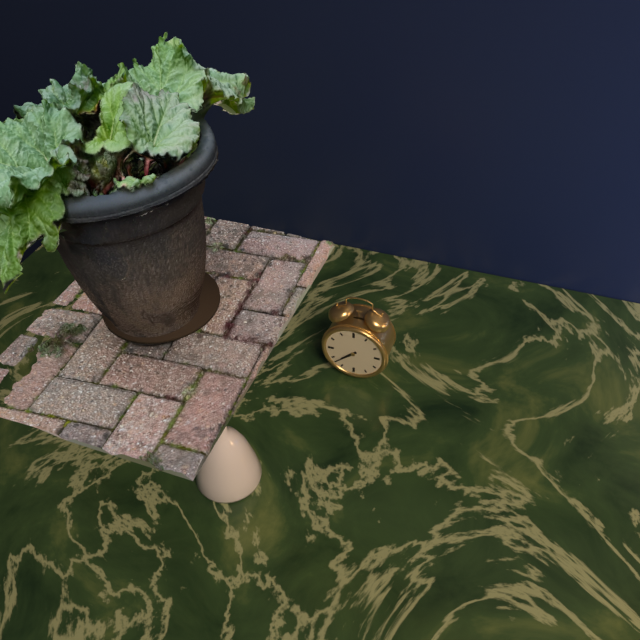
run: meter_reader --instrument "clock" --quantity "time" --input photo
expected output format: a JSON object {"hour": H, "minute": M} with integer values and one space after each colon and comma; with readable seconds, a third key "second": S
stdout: {"hour": 7, "minute": 38}
